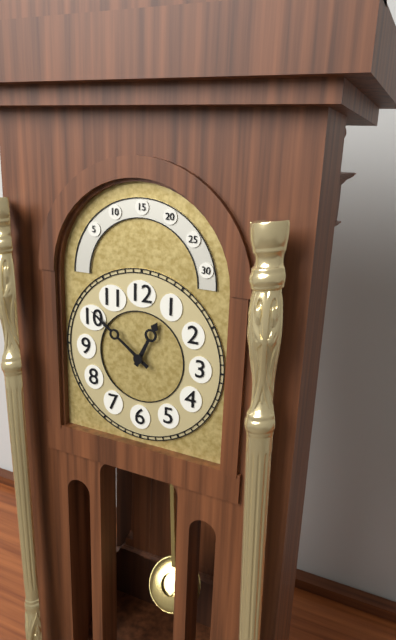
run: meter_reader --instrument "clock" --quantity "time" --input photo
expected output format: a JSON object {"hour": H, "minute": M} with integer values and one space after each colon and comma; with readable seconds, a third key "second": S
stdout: {"hour": 12, "minute": 51}
